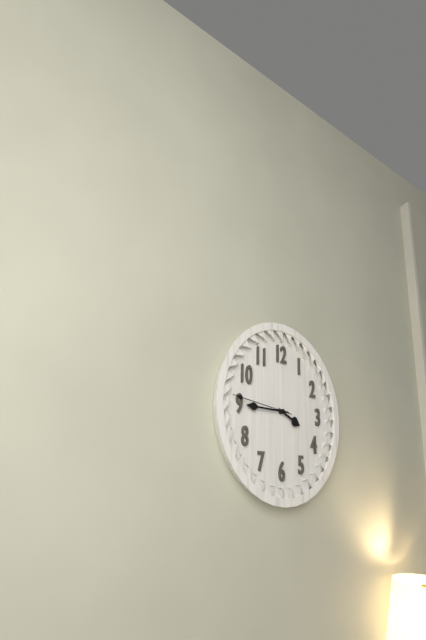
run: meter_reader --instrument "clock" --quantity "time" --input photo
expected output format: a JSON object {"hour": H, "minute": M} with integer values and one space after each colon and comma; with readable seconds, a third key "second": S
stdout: {"hour": 3, "minute": 45, "second": 46}
